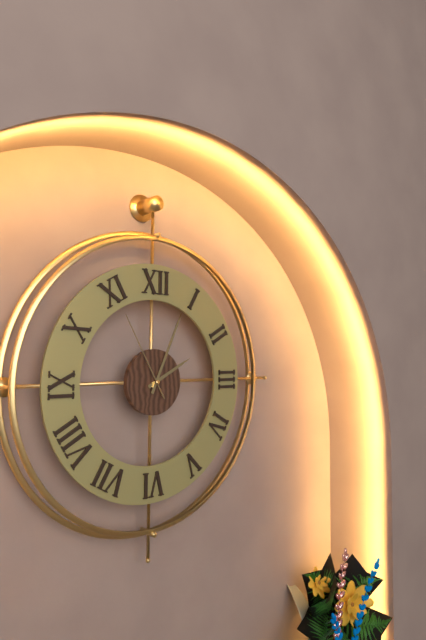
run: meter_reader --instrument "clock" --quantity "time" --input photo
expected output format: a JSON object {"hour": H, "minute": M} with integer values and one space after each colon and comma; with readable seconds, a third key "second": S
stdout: {"hour": 2, "minute": 4, "second": 55}
